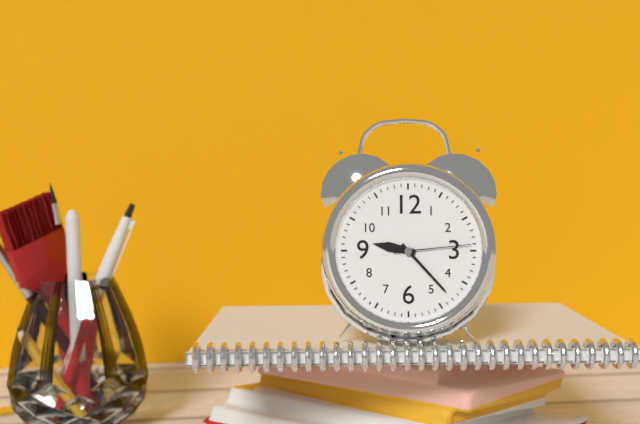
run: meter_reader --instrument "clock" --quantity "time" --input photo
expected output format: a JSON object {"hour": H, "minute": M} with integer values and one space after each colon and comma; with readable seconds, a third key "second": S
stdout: {"hour": 9, "minute": 23, "second": 14}
